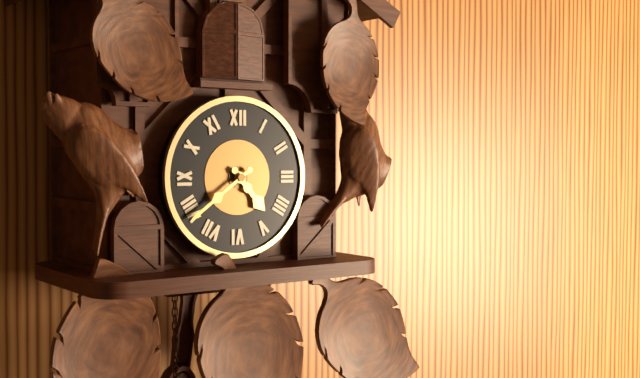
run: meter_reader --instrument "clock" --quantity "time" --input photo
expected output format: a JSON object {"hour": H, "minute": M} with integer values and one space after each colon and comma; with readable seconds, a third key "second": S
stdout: {"hour": 4, "minute": 39}
